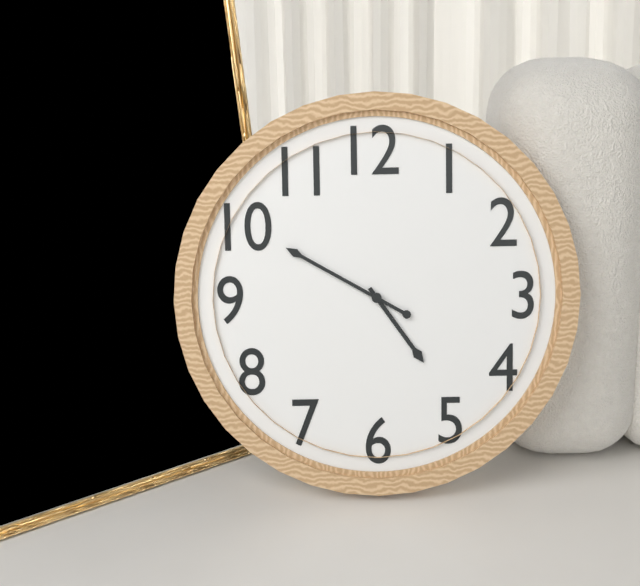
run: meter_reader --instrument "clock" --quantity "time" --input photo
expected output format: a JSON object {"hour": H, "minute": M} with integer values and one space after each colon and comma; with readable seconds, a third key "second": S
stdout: {"hour": 4, "minute": 50}
